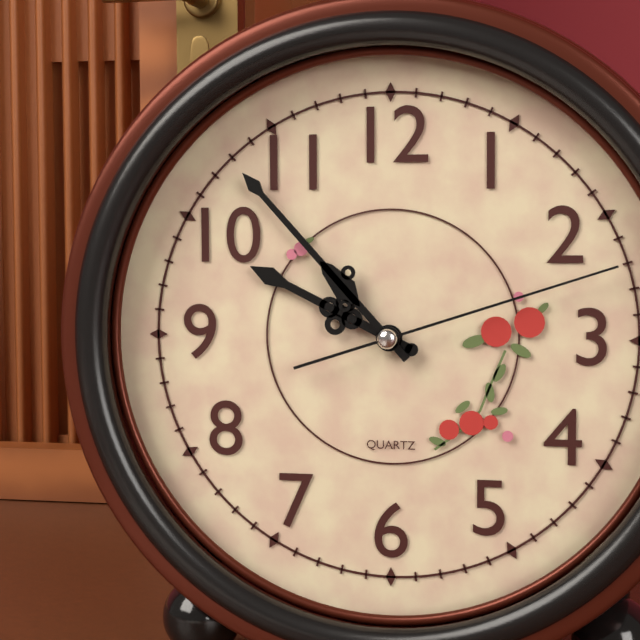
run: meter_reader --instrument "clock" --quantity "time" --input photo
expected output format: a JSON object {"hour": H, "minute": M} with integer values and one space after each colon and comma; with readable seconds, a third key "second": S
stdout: {"hour": 9, "minute": 53, "second": 12}
